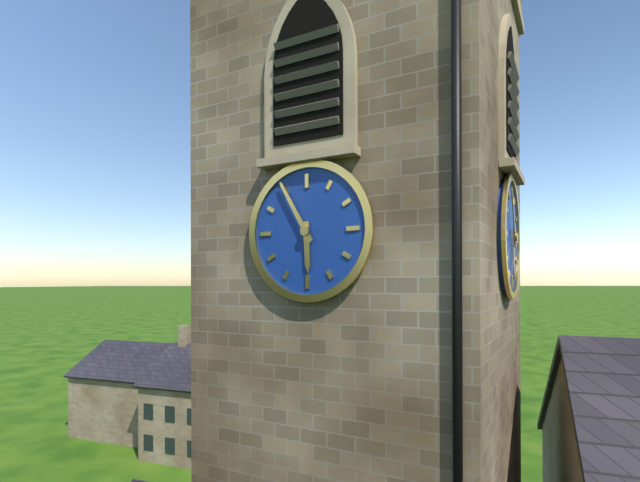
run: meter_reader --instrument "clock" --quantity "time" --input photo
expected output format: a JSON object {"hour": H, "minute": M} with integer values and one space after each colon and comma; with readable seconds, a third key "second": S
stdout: {"hour": 5, "minute": 55}
